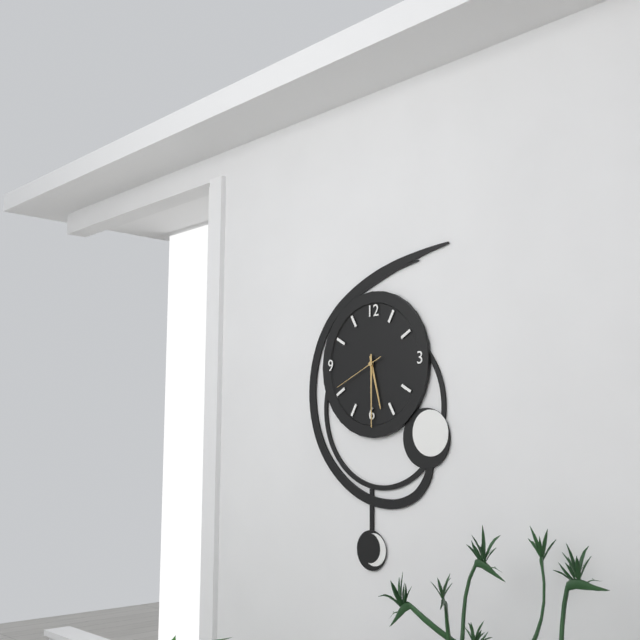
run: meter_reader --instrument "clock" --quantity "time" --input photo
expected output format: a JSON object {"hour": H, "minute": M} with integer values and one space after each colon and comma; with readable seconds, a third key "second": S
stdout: {"hour": 5, "minute": 30, "second": 41}
